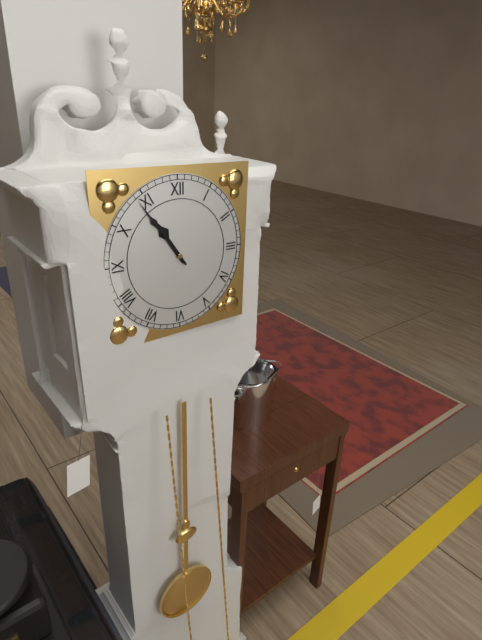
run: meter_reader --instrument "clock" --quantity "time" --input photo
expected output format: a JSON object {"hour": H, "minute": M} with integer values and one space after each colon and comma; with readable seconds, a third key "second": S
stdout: {"hour": 10, "minute": 54}
